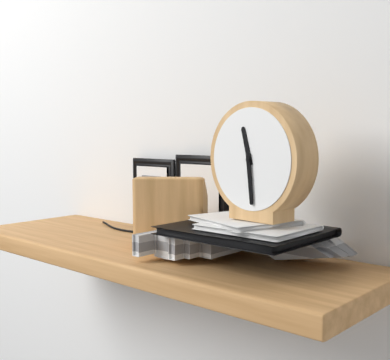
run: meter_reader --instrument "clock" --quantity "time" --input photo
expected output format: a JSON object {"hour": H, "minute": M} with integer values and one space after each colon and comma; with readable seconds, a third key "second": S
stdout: {"hour": 11, "minute": 29}
